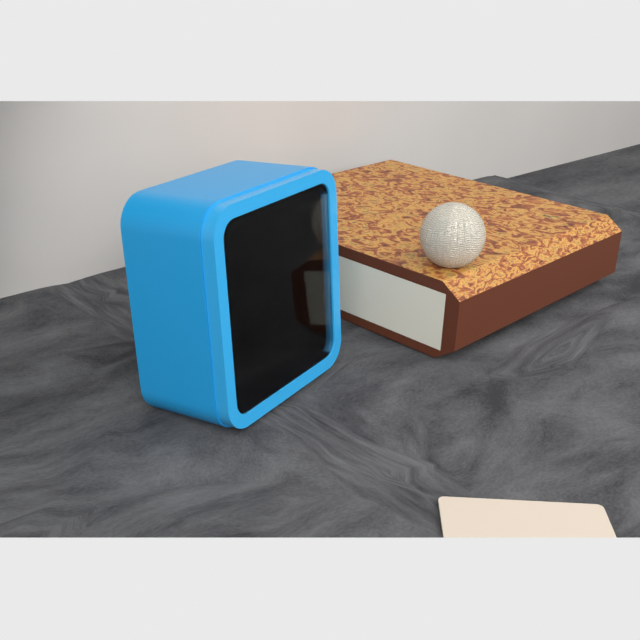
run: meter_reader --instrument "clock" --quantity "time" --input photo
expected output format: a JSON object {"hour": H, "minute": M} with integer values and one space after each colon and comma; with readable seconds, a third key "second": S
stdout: {"hour": 11, "minute": 42}
